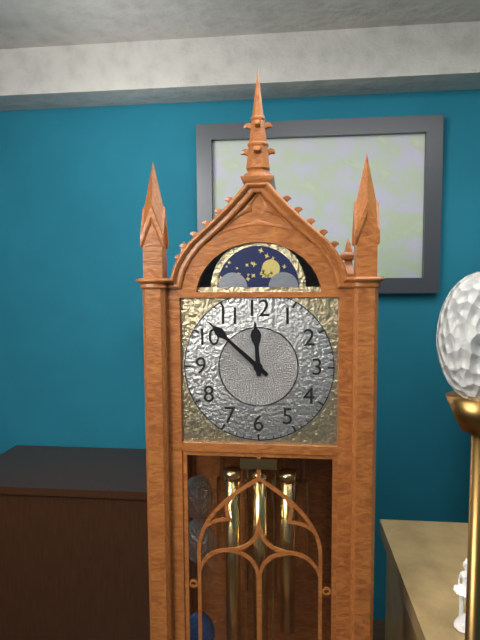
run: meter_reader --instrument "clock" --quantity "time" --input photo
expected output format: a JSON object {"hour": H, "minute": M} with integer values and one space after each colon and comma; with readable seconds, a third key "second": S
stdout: {"hour": 11, "minute": 52}
